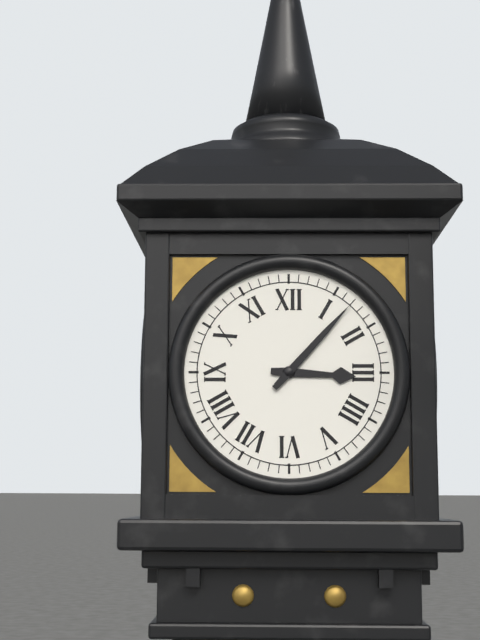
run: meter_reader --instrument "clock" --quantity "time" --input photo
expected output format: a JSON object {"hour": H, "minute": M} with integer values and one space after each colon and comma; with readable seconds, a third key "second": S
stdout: {"hour": 3, "minute": 7}
